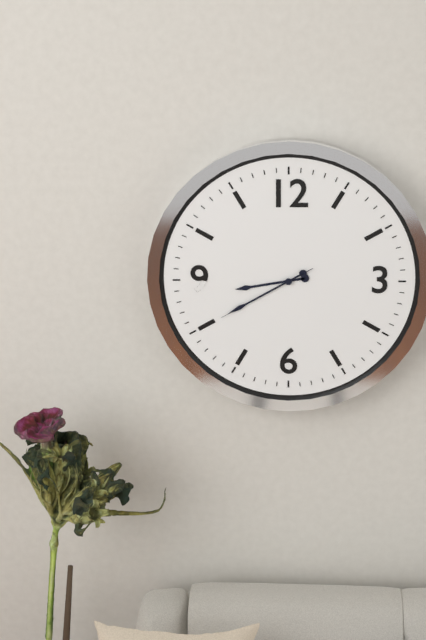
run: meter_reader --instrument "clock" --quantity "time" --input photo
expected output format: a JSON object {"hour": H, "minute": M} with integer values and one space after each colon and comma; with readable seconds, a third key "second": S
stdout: {"hour": 8, "minute": 40, "second": 40}
